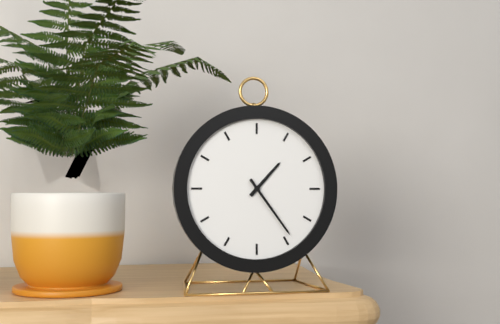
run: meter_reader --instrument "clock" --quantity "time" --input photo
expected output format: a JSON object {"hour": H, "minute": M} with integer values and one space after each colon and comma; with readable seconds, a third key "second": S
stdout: {"hour": 1, "minute": 24}
